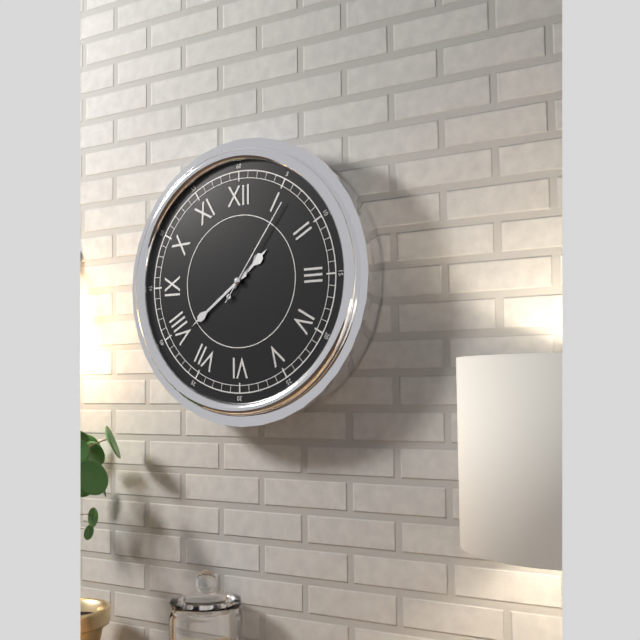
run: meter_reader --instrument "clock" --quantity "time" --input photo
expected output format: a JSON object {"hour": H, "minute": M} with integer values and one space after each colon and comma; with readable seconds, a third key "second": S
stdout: {"hour": 1, "minute": 39, "second": 6}
